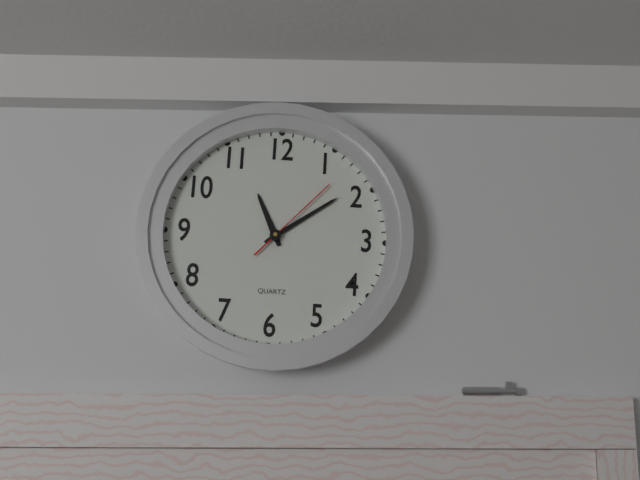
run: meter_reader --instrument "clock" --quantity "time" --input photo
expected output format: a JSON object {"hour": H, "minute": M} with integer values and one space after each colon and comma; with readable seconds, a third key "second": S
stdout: {"hour": 11, "minute": 9, "second": 7}
